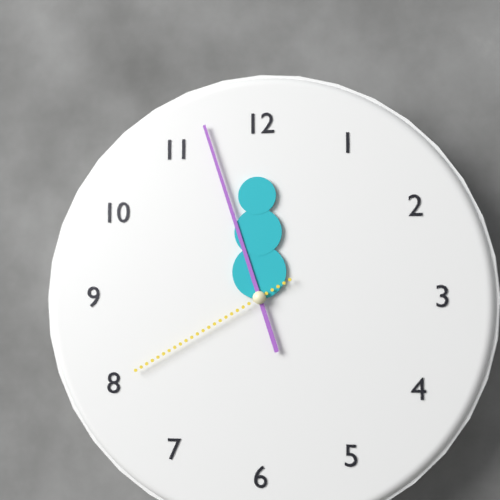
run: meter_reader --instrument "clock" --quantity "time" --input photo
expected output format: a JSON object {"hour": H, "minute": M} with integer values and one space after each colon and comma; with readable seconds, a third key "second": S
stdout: {"hour": 11, "minute": 57, "second": 40}
